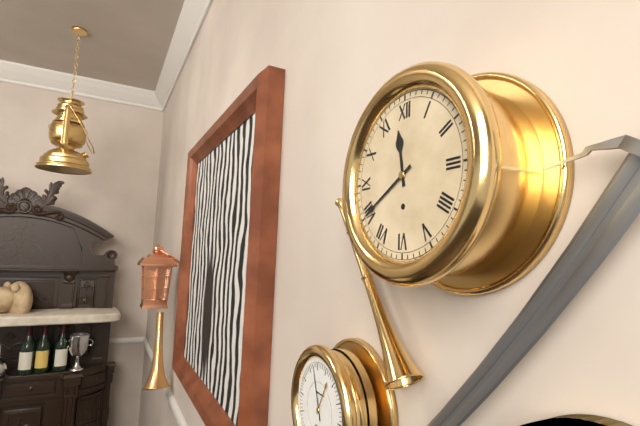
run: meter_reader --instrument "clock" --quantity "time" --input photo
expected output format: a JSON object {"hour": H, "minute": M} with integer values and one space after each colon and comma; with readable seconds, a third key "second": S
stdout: {"hour": 11, "minute": 40}
